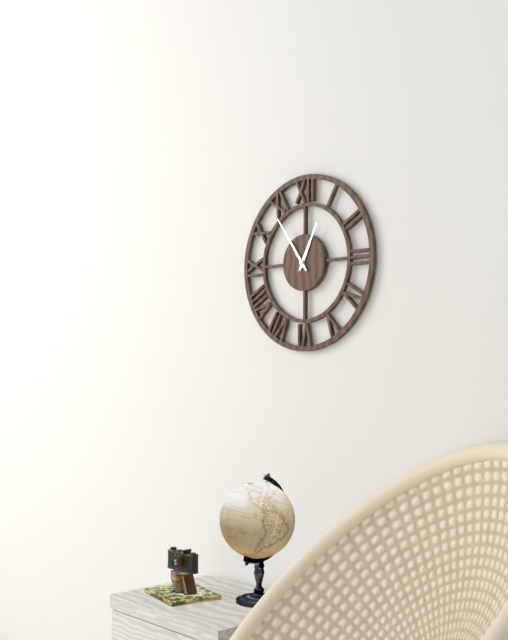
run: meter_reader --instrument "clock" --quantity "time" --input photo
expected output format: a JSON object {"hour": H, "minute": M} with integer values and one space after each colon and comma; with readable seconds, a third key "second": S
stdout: {"hour": 12, "minute": 54}
